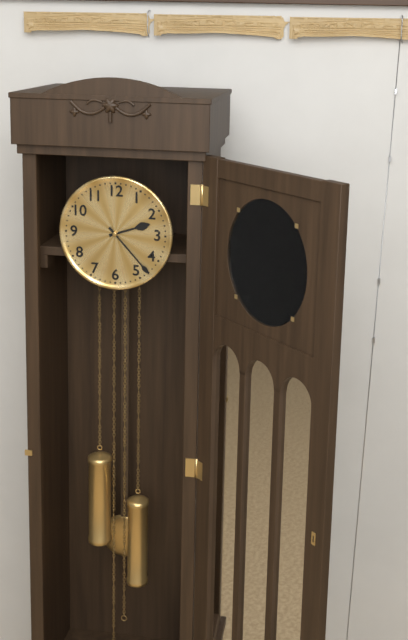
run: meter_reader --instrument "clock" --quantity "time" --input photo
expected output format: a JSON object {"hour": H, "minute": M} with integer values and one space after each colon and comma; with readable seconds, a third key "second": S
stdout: {"hour": 2, "minute": 23}
